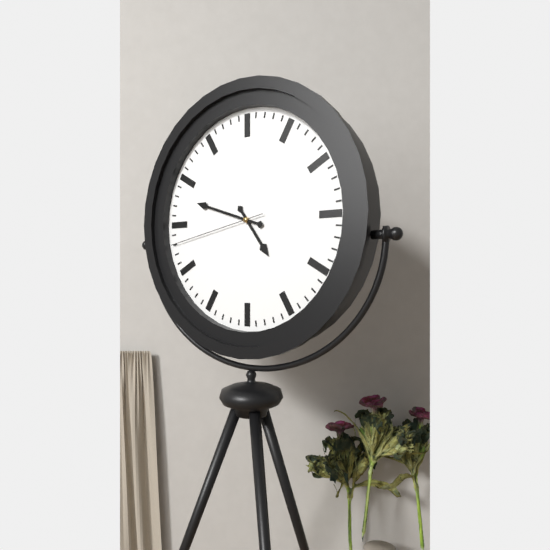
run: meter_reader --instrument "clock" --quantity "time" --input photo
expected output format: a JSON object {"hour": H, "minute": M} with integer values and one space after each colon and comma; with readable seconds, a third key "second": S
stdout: {"hour": 4, "minute": 48, "second": 43}
